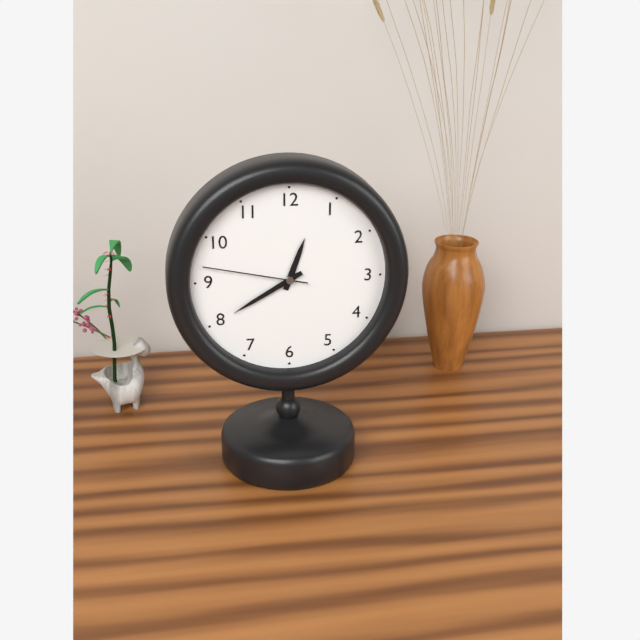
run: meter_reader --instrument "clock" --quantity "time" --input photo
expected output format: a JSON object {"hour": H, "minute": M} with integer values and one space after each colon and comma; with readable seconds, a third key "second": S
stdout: {"hour": 12, "minute": 40, "second": 47}
